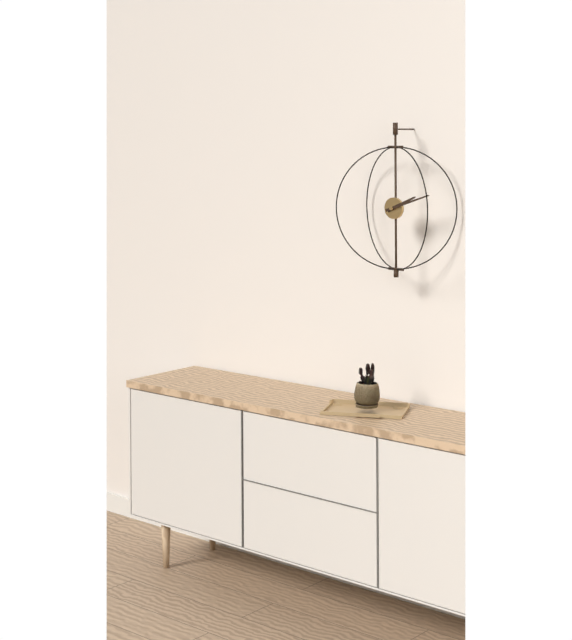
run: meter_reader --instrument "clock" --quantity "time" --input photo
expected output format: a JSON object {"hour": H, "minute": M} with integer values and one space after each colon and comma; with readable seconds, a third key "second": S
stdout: {"hour": 2, "minute": 12}
